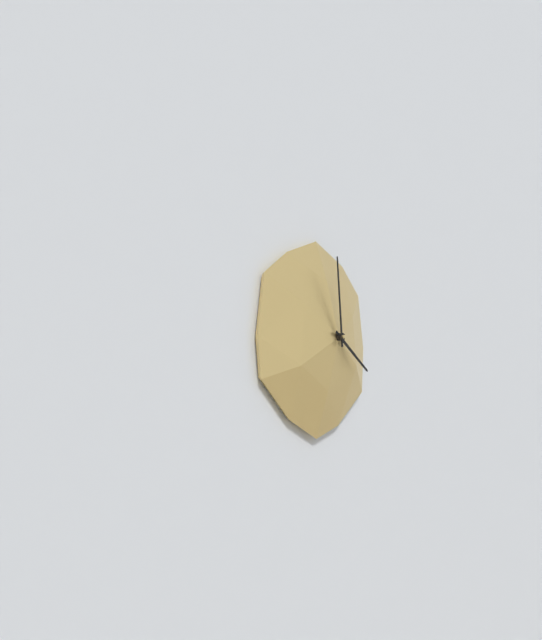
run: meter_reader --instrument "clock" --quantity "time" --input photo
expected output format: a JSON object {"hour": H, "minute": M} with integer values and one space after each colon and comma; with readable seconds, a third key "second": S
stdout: {"hour": 3, "minute": 59}
